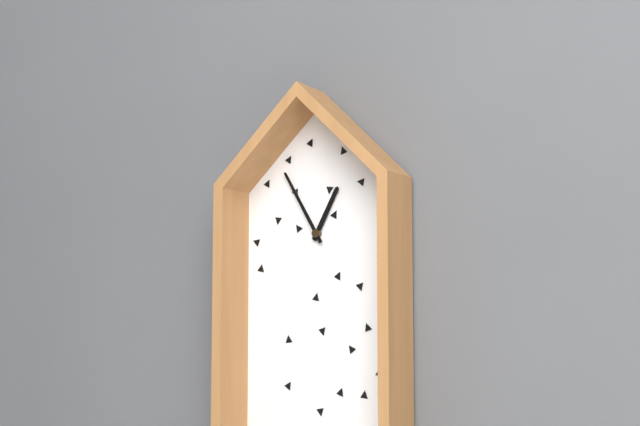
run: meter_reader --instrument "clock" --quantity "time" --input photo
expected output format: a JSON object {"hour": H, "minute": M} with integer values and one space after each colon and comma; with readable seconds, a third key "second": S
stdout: {"hour": 12, "minute": 55}
